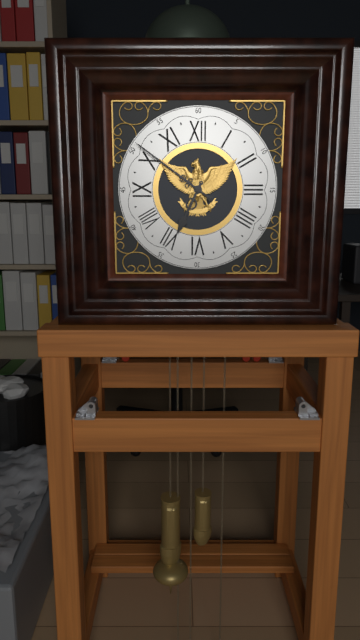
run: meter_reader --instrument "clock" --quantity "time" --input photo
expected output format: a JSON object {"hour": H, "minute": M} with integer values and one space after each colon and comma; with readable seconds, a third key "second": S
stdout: {"hour": 6, "minute": 51}
